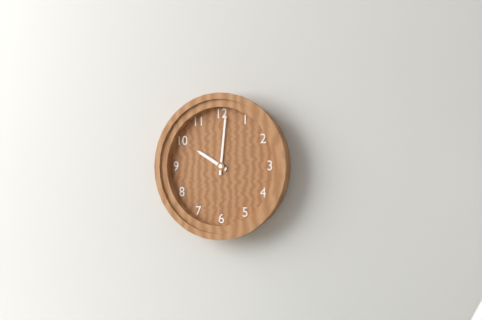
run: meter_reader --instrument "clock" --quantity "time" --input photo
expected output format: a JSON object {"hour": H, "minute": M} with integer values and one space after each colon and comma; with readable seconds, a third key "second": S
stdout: {"hour": 10, "minute": 1}
